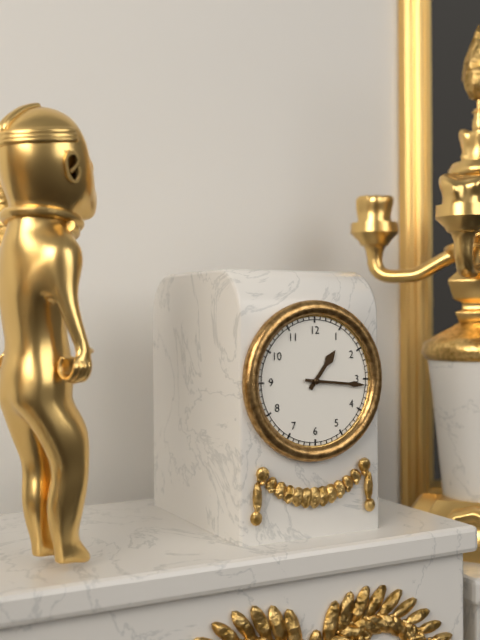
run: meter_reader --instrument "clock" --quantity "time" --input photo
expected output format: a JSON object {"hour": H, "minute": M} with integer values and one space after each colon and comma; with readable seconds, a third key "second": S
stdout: {"hour": 1, "minute": 16}
